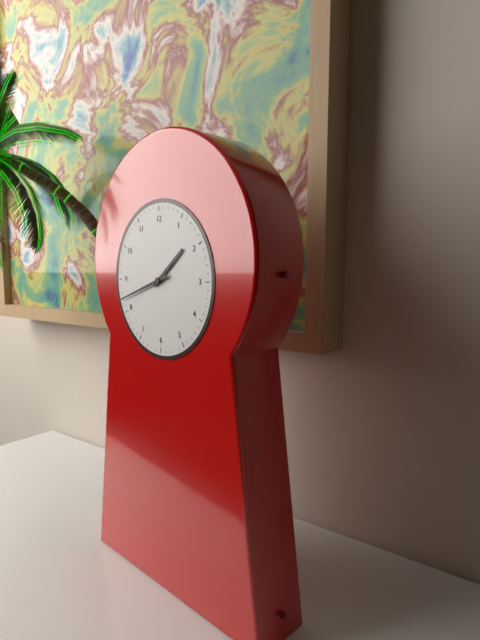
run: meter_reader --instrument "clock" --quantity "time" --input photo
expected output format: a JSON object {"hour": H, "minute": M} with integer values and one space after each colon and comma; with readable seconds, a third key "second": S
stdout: {"hour": 1, "minute": 42}
